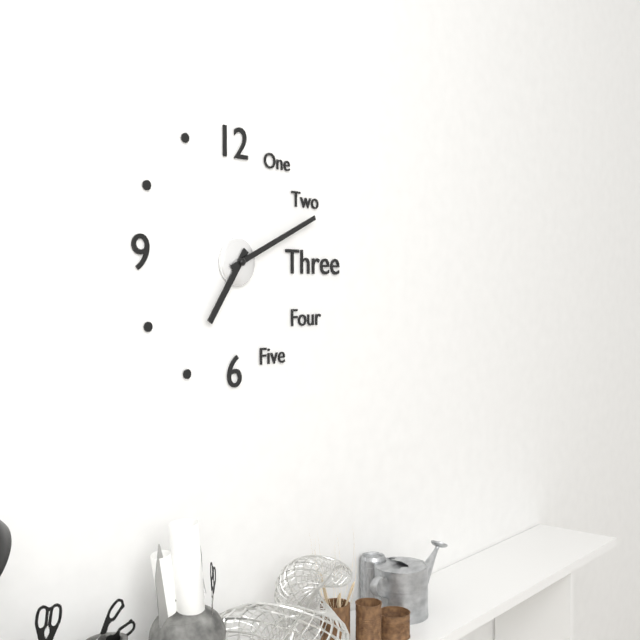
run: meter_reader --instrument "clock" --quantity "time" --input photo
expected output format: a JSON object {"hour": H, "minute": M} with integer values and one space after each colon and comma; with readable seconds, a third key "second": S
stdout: {"hour": 7, "minute": 11}
